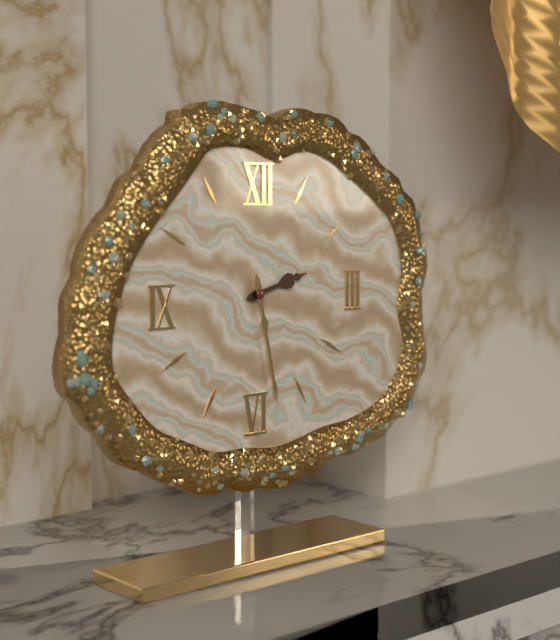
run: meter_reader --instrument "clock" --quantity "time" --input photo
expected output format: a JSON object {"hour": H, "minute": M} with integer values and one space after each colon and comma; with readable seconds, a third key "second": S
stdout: {"hour": 2, "minute": 28}
